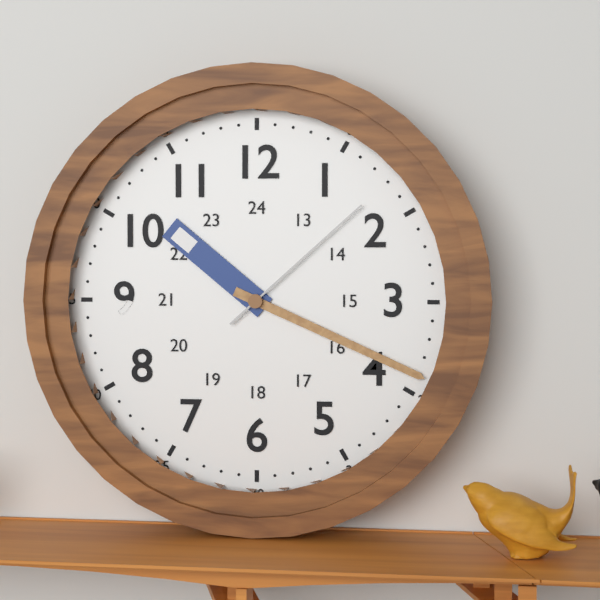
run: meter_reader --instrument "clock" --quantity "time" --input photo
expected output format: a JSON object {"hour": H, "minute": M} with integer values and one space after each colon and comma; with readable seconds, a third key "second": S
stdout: {"hour": 10, "minute": 19, "second": 8}
